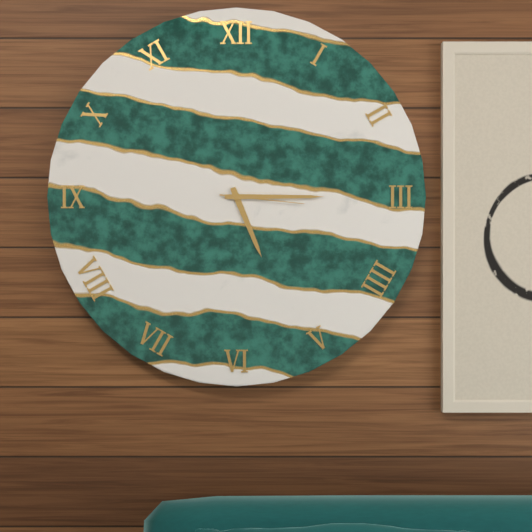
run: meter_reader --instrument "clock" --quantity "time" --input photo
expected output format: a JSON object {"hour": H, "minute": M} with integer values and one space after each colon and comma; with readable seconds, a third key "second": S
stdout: {"hour": 5, "minute": 15, "second": 16}
